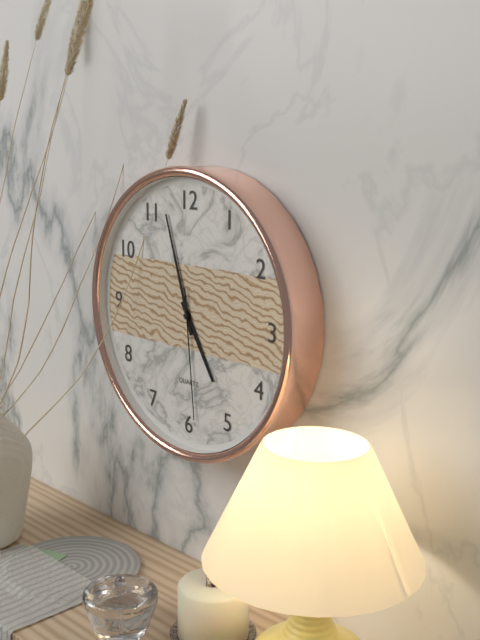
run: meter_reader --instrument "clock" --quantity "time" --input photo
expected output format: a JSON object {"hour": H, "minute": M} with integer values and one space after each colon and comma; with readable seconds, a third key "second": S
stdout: {"hour": 4, "minute": 57, "second": 29}
